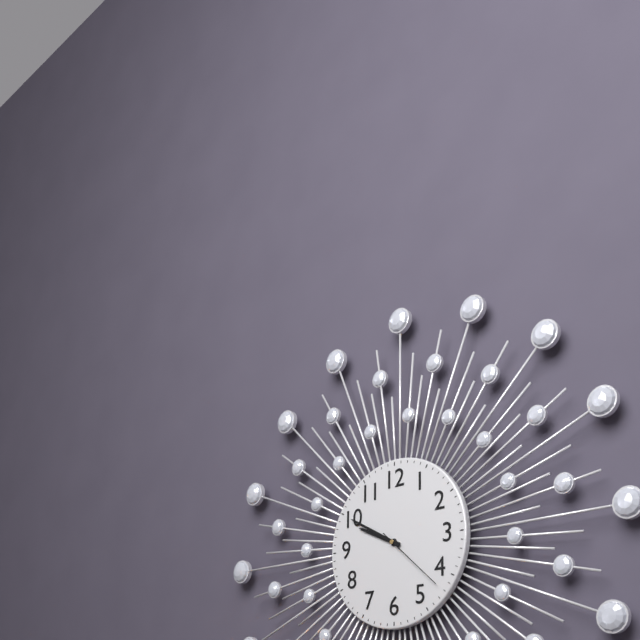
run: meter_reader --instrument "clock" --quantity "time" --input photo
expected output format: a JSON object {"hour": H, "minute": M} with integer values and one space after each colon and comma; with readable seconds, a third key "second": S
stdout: {"hour": 9, "minute": 50, "second": 22}
